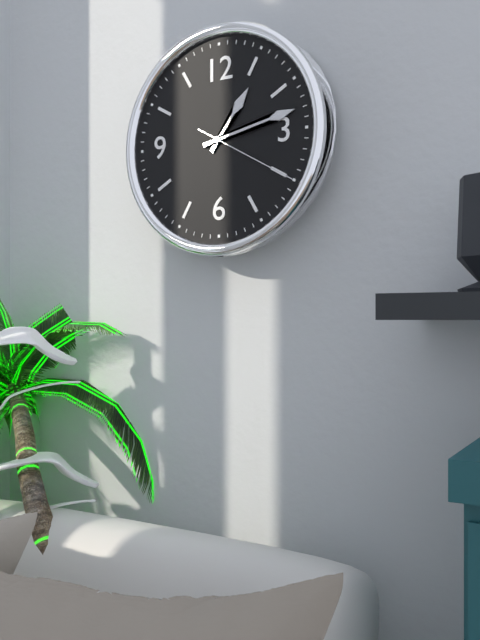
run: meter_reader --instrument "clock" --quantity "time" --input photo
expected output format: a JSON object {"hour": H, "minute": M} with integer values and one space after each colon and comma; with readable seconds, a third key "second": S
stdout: {"hour": 1, "minute": 13, "second": 20}
